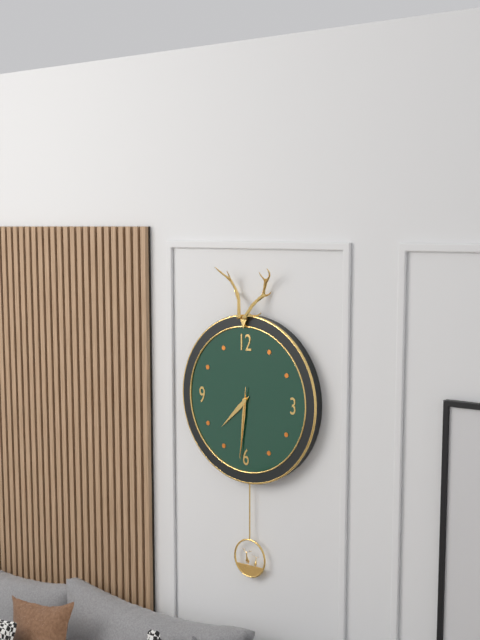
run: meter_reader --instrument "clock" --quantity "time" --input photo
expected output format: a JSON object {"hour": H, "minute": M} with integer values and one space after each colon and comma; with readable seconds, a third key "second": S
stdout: {"hour": 7, "minute": 31, "second": 31}
